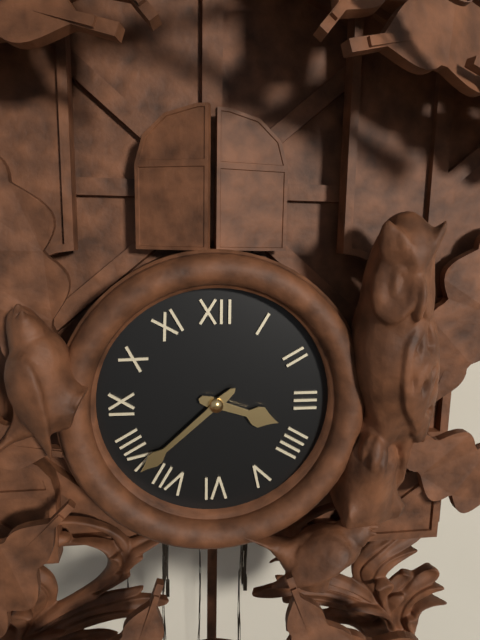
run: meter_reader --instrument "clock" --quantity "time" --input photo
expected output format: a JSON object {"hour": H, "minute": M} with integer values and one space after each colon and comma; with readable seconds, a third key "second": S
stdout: {"hour": 3, "minute": 38}
